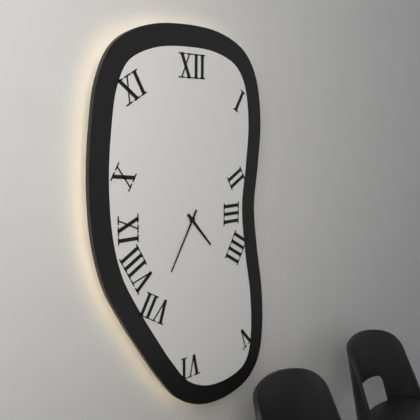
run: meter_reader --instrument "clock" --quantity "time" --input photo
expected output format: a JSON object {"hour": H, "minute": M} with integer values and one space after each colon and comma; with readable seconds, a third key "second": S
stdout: {"hour": 4, "minute": 35}
